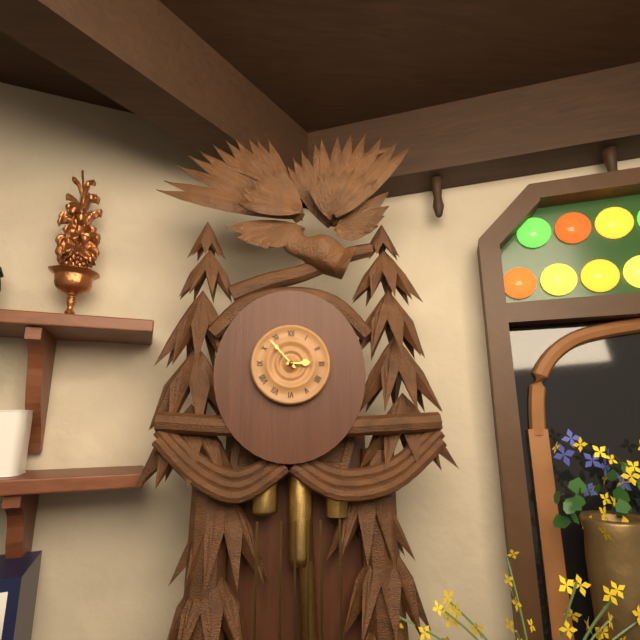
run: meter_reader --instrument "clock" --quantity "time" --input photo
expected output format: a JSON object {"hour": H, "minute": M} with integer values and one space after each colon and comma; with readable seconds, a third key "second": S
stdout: {"hour": 2, "minute": 53}
